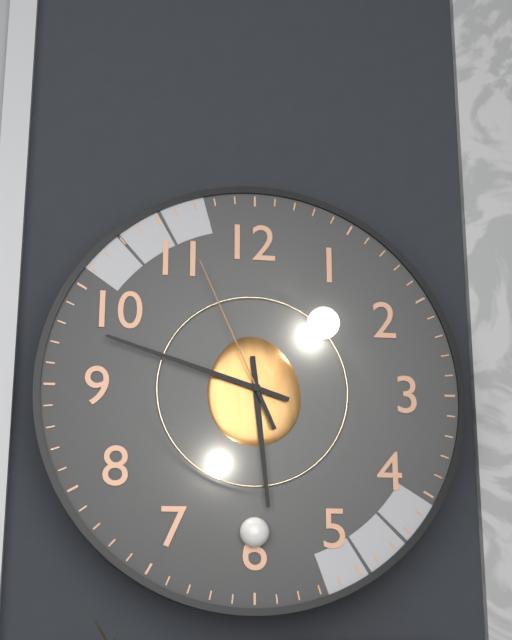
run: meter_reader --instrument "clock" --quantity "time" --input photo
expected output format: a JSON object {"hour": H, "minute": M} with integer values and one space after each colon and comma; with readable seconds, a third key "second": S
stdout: {"hour": 5, "minute": 48, "second": 56}
